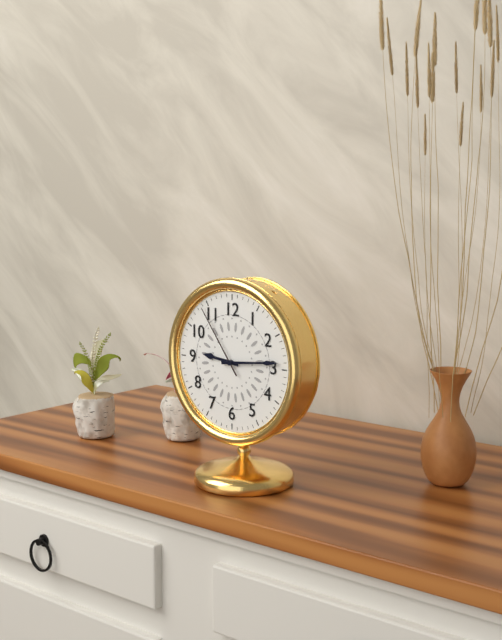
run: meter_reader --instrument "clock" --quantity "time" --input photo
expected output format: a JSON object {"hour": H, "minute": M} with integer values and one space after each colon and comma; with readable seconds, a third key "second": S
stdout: {"hour": 9, "minute": 14, "second": 54}
